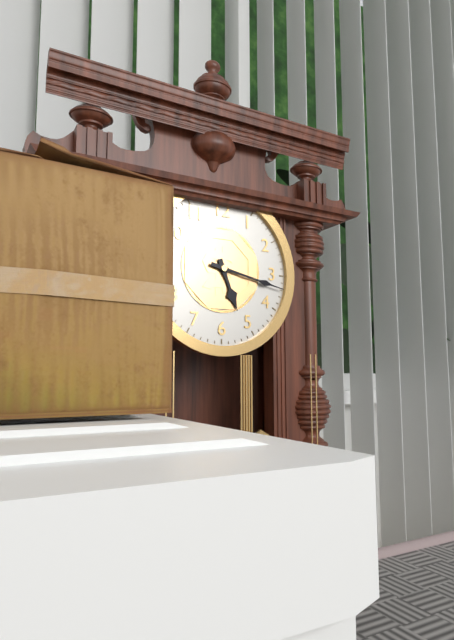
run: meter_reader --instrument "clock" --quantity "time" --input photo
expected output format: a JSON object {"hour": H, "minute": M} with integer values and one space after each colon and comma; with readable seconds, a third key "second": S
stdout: {"hour": 5, "minute": 17}
